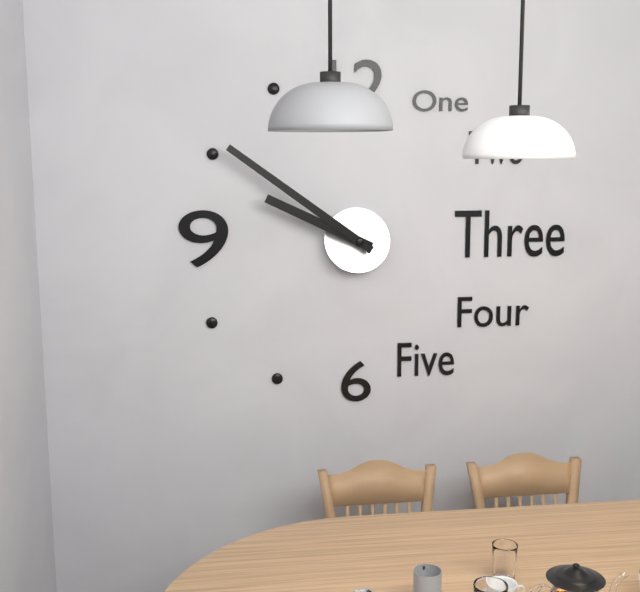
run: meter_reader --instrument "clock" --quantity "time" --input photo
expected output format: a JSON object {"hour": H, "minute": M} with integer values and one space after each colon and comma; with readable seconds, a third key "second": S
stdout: {"hour": 9, "minute": 51}
